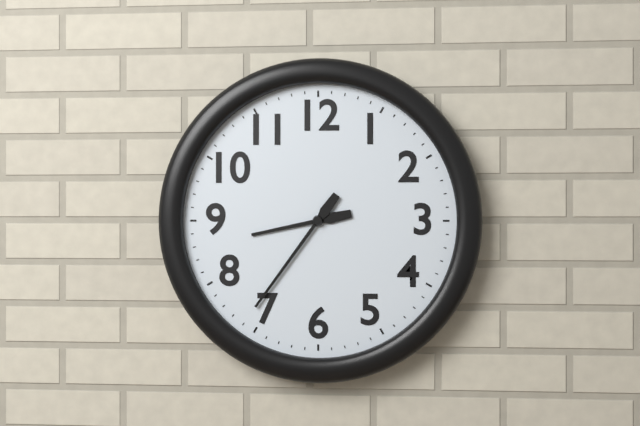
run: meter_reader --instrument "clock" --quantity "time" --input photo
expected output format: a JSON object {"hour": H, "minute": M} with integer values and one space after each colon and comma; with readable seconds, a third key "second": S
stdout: {"hour": 8, "minute": 36}
